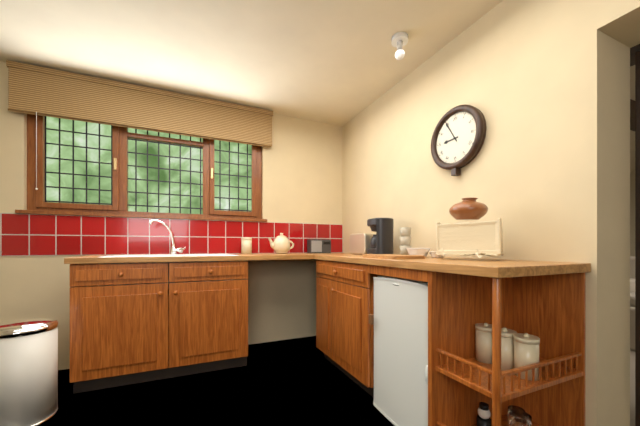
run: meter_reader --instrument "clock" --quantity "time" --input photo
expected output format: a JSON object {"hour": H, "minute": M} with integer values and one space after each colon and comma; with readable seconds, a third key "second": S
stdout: {"hour": 8, "minute": 55}
